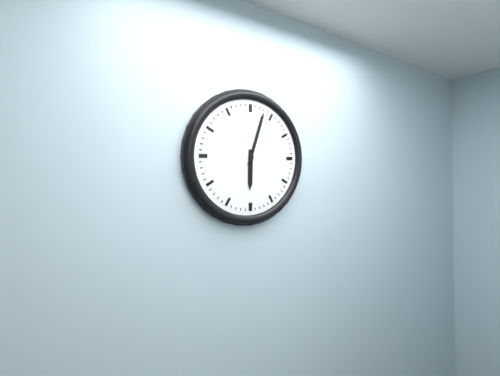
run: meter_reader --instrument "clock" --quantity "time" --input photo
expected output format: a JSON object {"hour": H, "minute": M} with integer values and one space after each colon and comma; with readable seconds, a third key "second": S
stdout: {"hour": 6, "minute": 3}
